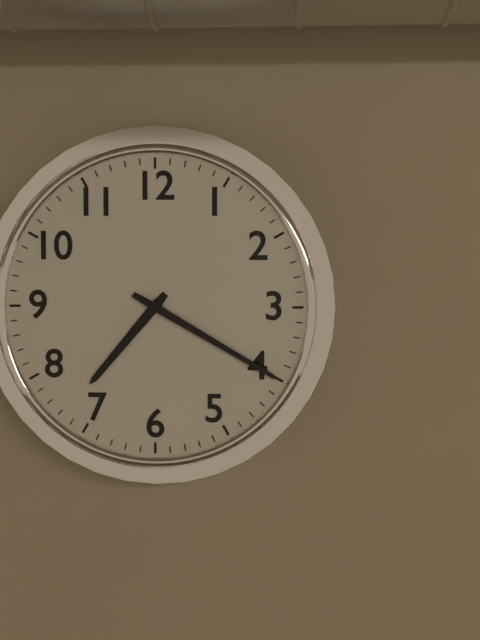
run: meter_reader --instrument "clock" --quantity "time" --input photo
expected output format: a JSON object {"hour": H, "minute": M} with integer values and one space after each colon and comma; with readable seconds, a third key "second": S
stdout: {"hour": 7, "minute": 20}
